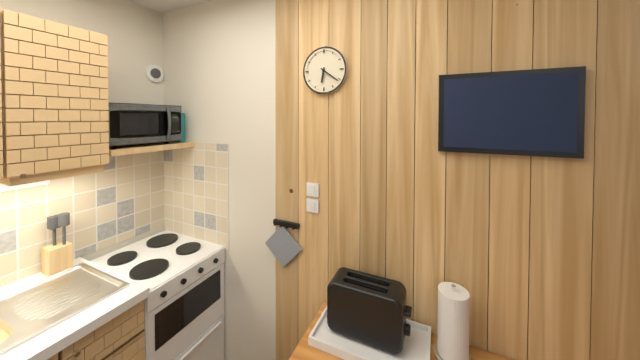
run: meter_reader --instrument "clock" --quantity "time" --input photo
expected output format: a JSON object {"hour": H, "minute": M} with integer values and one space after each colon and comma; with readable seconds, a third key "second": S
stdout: {"hour": 6, "minute": 21}
